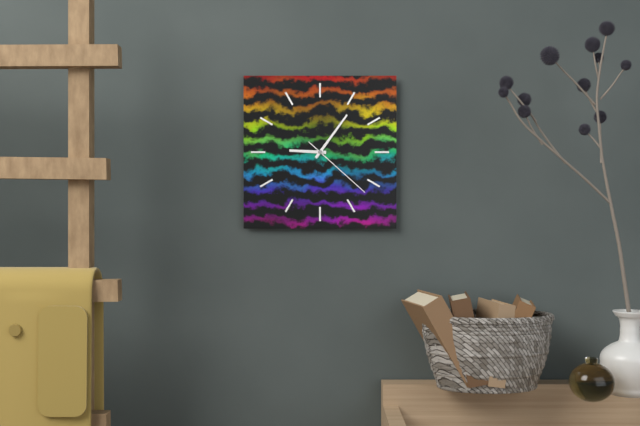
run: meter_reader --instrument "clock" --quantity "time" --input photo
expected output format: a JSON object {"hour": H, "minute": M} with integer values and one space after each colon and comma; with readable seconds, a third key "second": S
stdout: {"hour": 9, "minute": 6, "second": 22}
